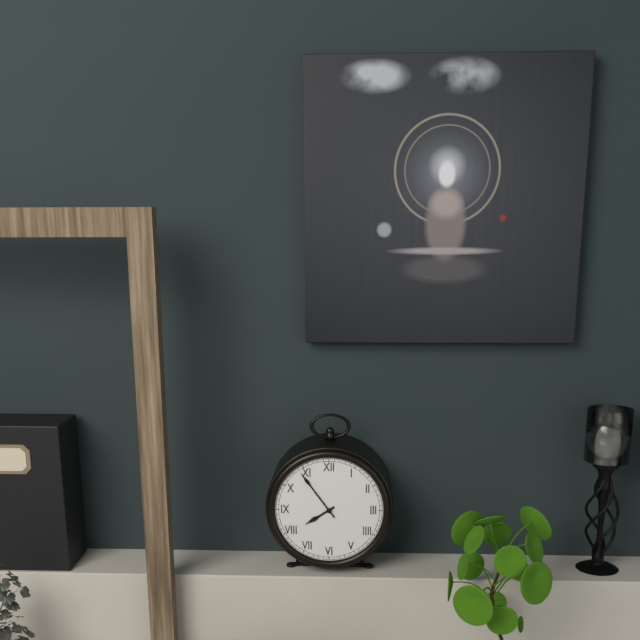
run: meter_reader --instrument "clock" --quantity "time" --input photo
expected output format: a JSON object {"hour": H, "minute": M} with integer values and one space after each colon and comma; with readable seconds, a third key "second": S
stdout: {"hour": 7, "minute": 54}
